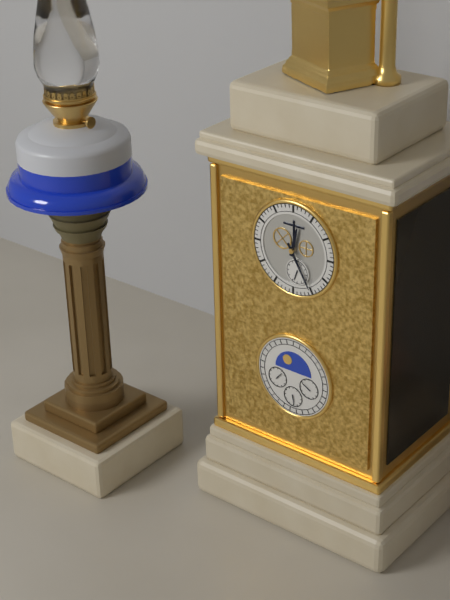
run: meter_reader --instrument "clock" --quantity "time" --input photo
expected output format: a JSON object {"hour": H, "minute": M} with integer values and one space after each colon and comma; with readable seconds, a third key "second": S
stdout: {"hour": 12, "minute": 25}
